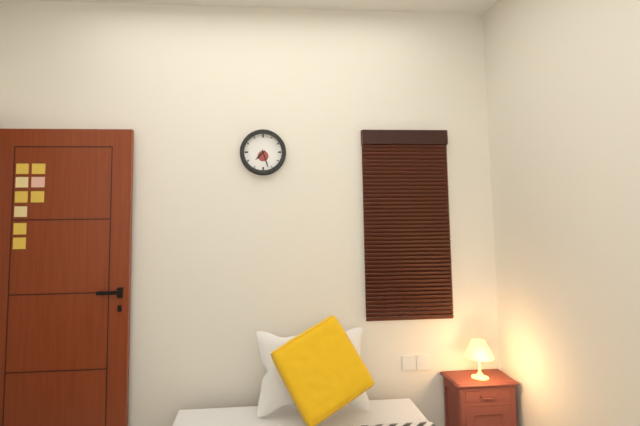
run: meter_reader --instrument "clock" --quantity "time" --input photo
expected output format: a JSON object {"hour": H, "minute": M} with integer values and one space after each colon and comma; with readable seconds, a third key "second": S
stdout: {"hour": 7, "minute": 27}
